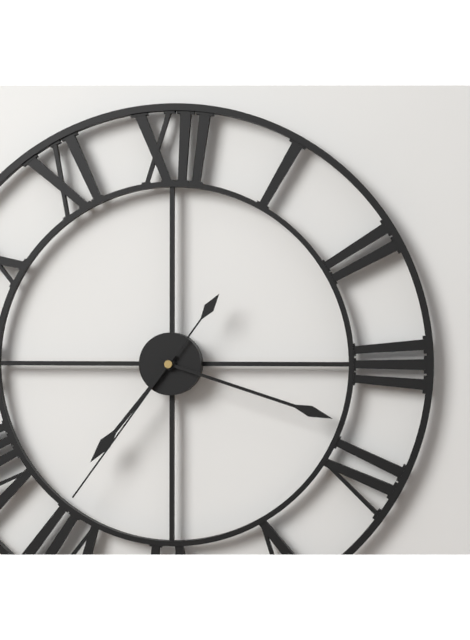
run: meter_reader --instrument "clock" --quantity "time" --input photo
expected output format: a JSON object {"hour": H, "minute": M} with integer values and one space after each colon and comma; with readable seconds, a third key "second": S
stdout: {"hour": 7, "minute": 18, "second": 36}
